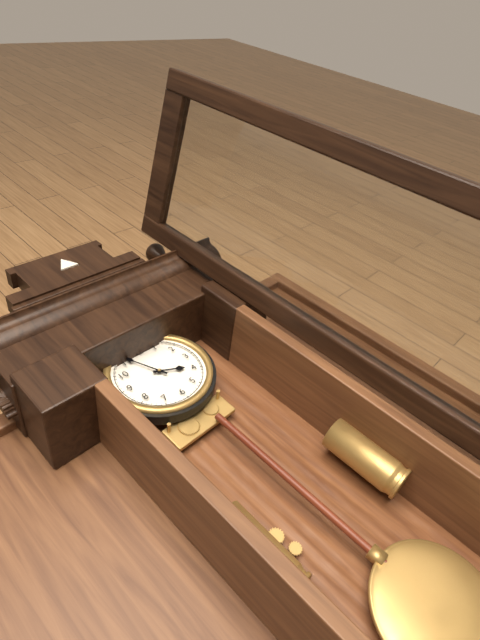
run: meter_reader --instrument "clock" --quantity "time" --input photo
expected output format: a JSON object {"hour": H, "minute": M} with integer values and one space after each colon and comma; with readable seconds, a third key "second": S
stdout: {"hour": 3, "minute": 56}
